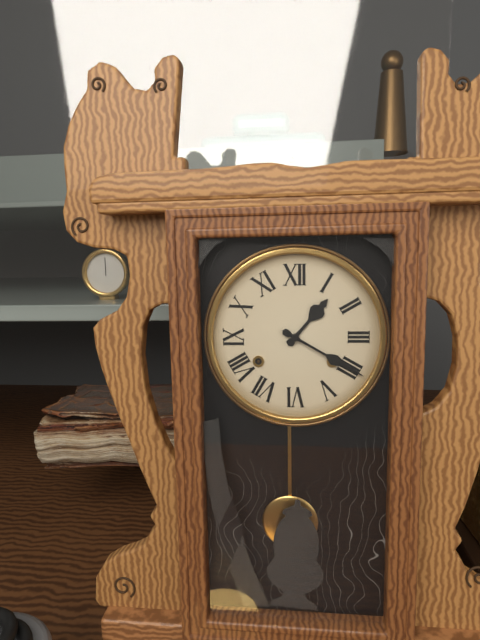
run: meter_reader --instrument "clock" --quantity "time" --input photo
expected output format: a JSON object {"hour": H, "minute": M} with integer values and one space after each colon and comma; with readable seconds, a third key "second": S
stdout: {"hour": 1, "minute": 20}
